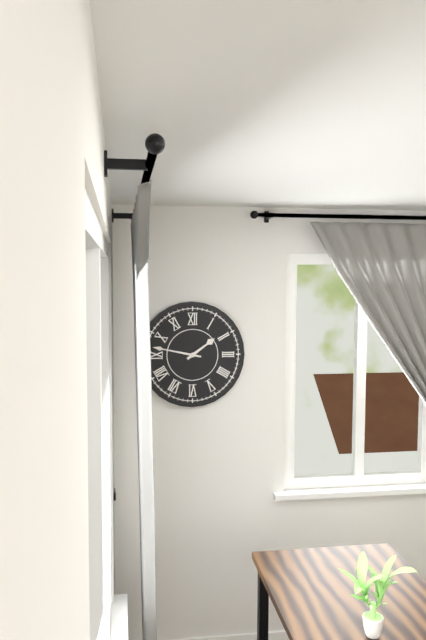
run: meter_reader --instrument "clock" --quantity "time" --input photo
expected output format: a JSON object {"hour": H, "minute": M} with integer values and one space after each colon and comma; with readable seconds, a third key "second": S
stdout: {"hour": 1, "minute": 47}
